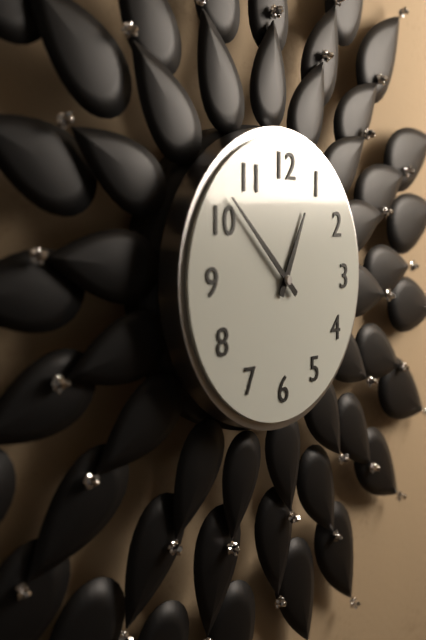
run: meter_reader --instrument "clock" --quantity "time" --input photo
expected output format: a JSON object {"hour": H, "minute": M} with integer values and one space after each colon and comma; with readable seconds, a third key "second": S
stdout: {"hour": 12, "minute": 52}
